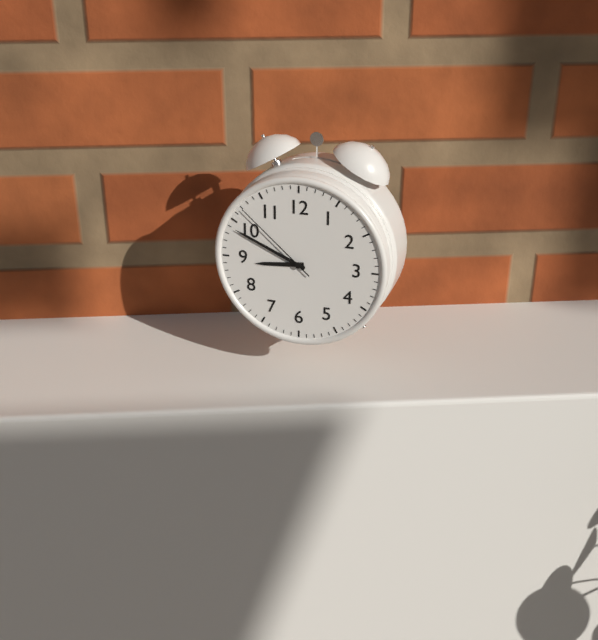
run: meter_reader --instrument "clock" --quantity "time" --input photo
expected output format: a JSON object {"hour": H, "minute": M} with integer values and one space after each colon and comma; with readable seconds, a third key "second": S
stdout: {"hour": 8, "minute": 49, "second": 52}
